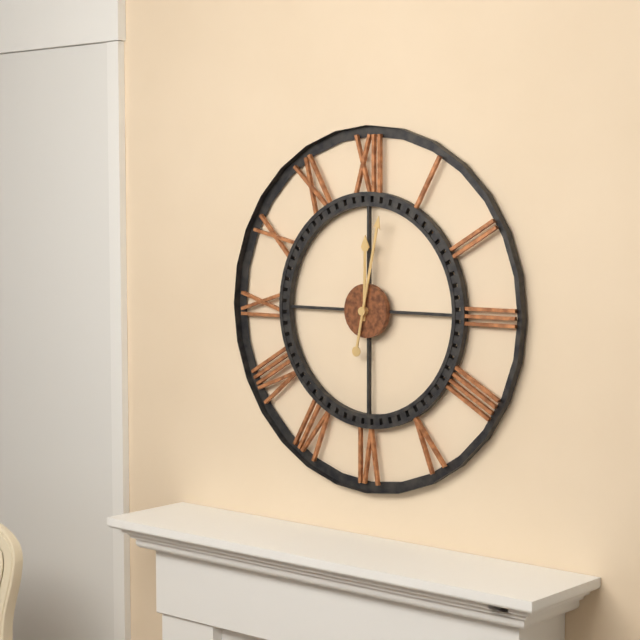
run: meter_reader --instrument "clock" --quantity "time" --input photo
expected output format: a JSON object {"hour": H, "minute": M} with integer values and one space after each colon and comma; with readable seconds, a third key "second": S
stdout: {"hour": 12, "minute": 2}
